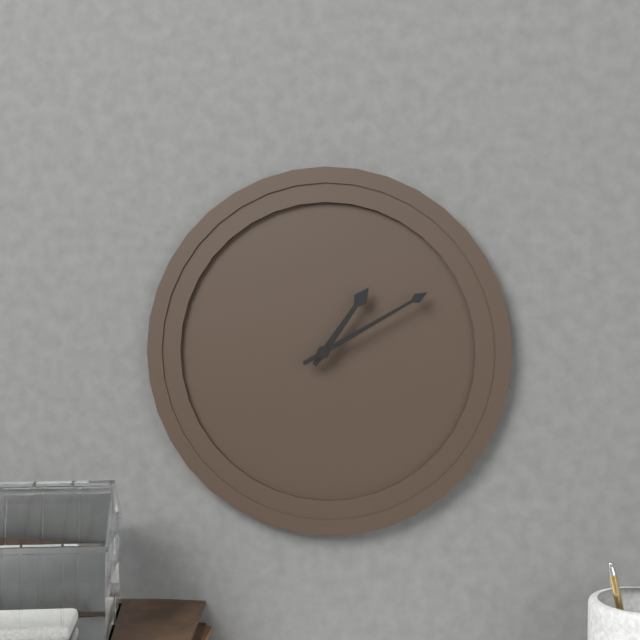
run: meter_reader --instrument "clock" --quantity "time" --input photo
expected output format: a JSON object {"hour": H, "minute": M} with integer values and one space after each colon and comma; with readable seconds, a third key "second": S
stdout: {"hour": 1, "minute": 10}
